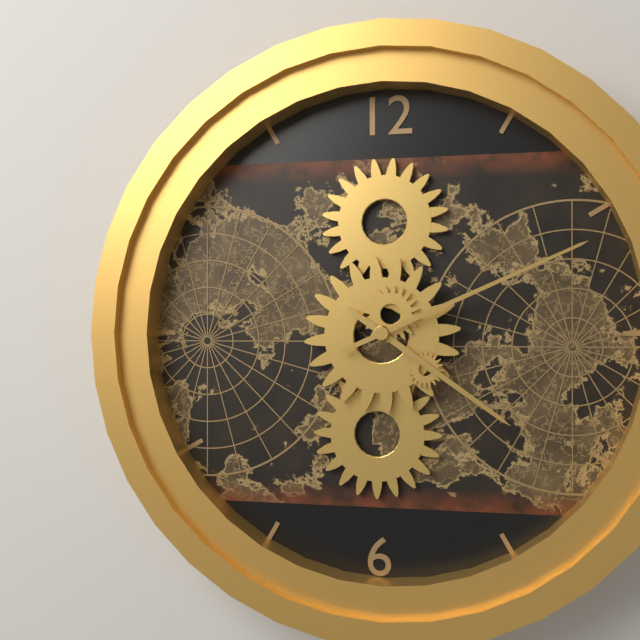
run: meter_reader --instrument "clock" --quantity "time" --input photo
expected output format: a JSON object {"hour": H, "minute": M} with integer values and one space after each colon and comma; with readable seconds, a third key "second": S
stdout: {"hour": 4, "minute": 11}
